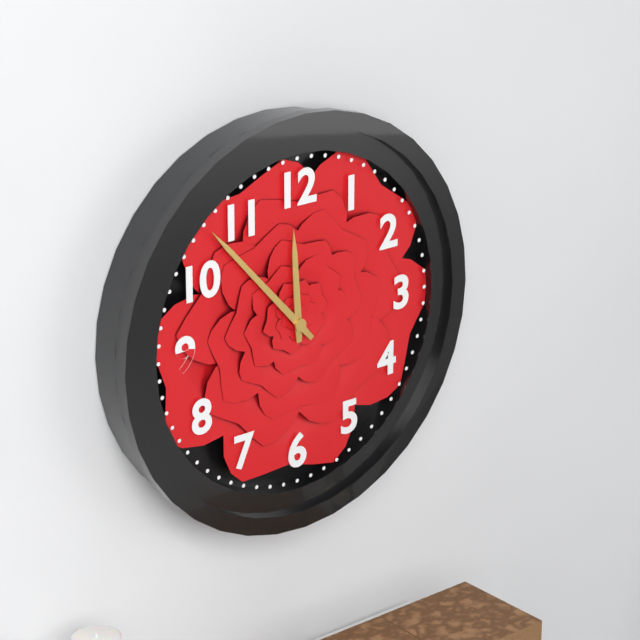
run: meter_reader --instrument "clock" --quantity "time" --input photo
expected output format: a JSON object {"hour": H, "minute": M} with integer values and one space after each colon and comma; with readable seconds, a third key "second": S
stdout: {"hour": 11, "minute": 53}
